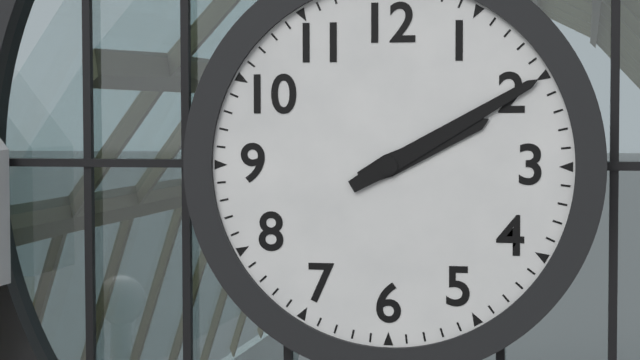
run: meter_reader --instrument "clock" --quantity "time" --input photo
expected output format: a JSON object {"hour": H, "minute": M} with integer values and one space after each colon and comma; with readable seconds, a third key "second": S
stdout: {"hour": 2, "minute": 10}
